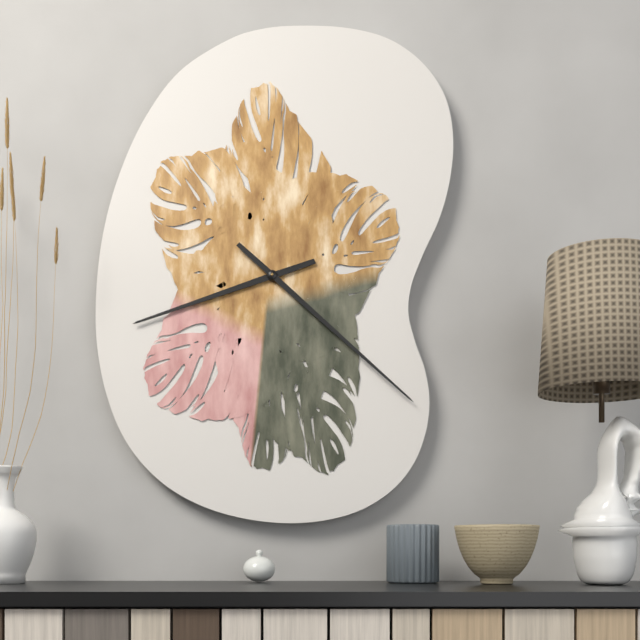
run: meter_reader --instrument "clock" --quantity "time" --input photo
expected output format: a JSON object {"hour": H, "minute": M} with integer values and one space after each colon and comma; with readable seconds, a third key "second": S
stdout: {"hour": 8, "minute": 22}
